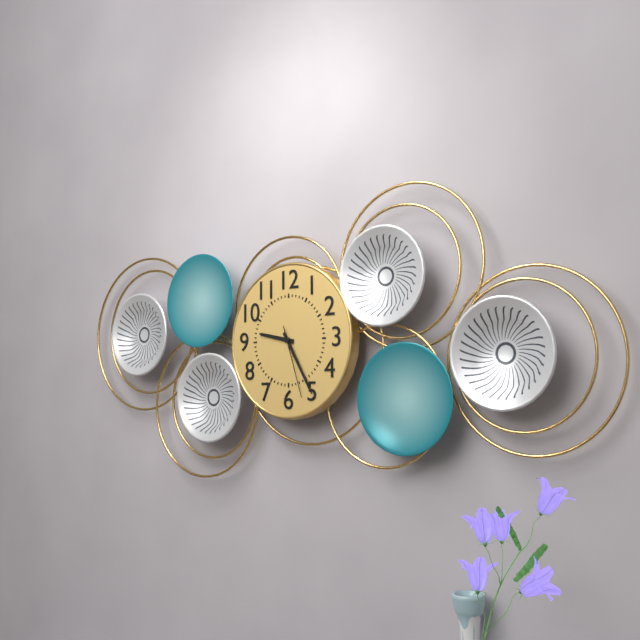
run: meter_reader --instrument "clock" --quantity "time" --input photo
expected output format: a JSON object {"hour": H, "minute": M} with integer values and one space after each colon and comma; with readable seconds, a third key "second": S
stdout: {"hour": 9, "minute": 25, "second": 27}
